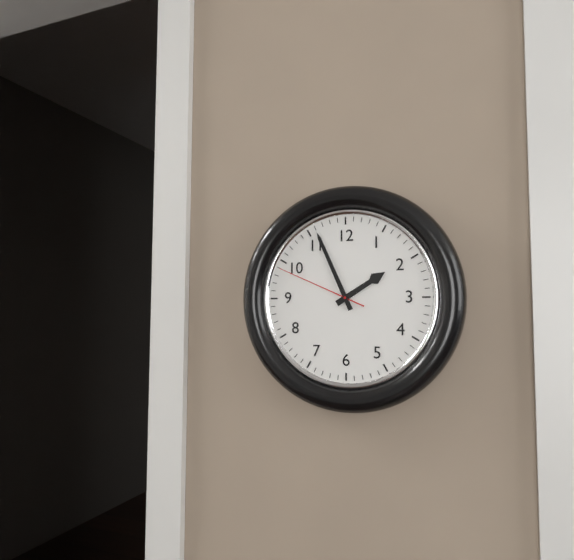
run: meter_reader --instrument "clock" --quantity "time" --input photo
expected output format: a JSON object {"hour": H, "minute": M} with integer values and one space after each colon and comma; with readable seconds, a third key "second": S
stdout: {"hour": 1, "minute": 56, "second": 49}
